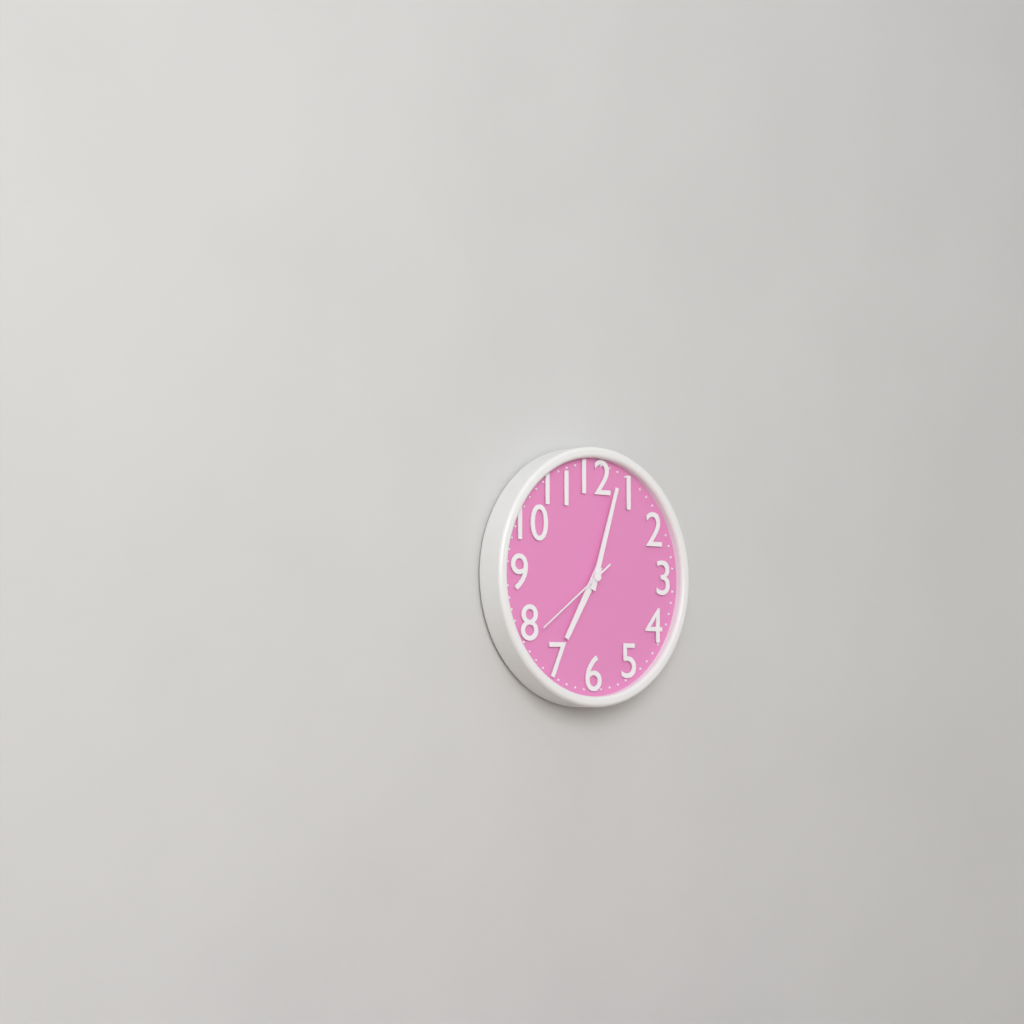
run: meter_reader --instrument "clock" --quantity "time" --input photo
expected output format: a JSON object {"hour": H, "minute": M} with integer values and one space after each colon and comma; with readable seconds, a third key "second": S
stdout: {"hour": 7, "minute": 3, "second": 39}
